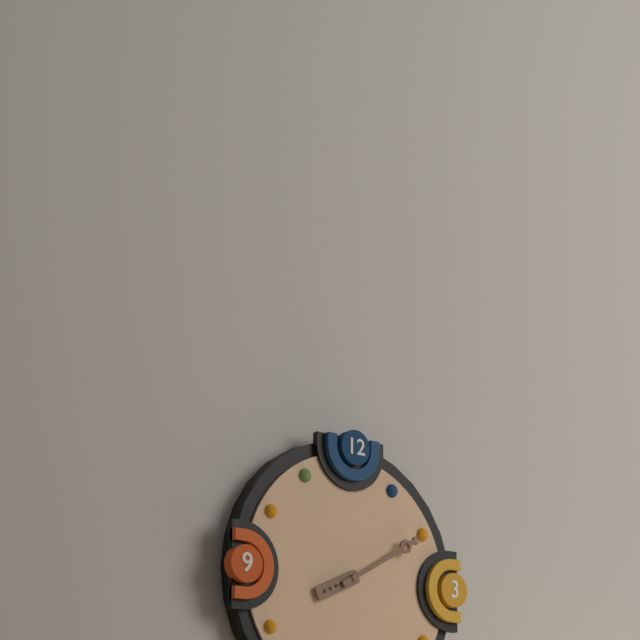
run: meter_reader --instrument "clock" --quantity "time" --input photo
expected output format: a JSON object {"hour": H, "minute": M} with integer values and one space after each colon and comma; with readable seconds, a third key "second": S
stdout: {"hour": 8, "minute": 10}
